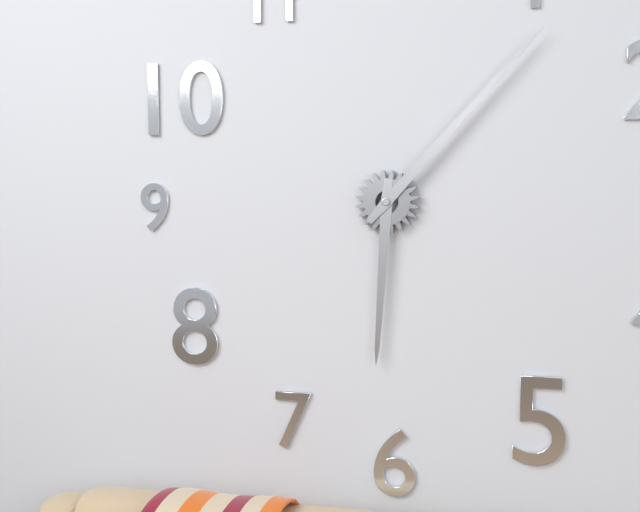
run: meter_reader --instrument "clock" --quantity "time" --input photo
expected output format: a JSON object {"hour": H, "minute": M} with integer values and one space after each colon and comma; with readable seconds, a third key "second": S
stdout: {"hour": 6, "minute": 7}
